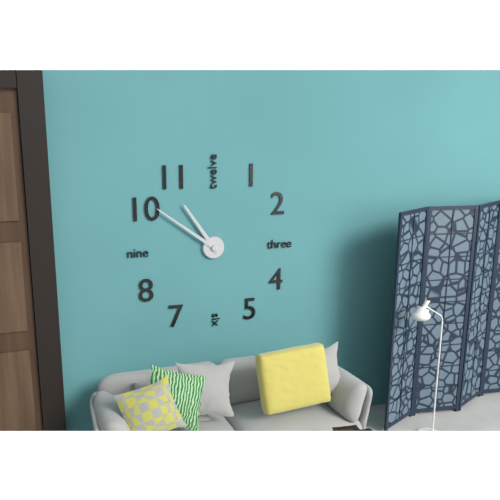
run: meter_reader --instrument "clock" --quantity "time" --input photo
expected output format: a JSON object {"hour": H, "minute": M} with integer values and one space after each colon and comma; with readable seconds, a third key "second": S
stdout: {"hour": 10, "minute": 51}
